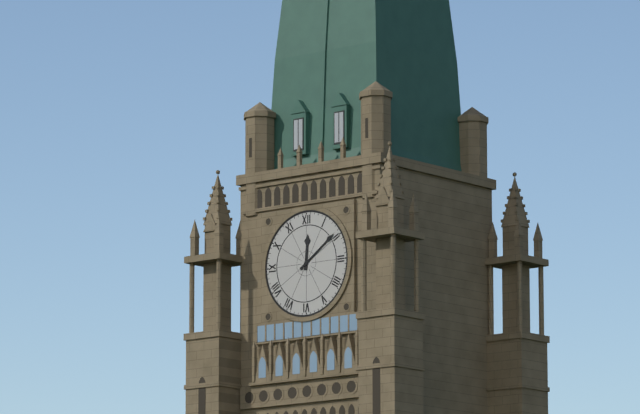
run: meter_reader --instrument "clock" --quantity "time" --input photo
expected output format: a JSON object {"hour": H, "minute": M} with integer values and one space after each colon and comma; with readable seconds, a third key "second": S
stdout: {"hour": 12, "minute": 9}
